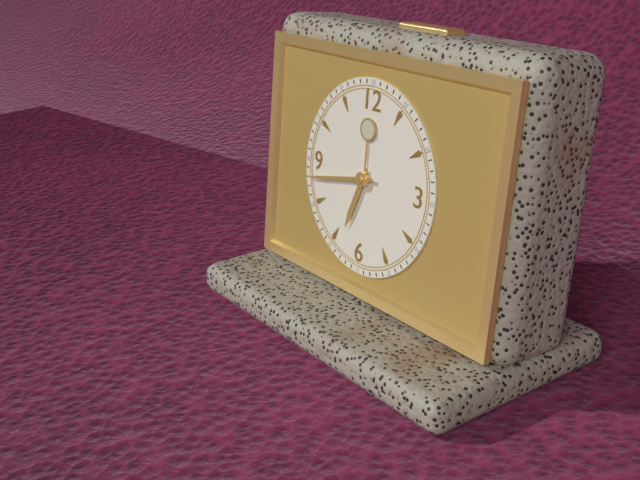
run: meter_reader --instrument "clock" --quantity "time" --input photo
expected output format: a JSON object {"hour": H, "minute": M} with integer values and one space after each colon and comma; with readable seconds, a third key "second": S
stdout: {"hour": 6, "minute": 43}
